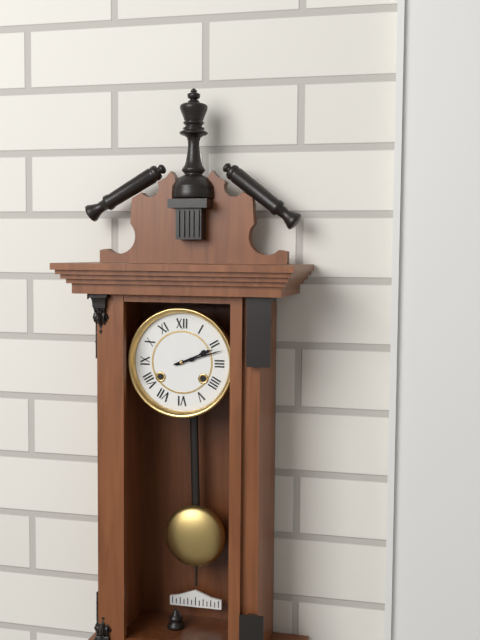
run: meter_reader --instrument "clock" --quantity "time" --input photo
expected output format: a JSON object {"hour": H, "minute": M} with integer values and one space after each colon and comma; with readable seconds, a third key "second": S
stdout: {"hour": 2, "minute": 12}
